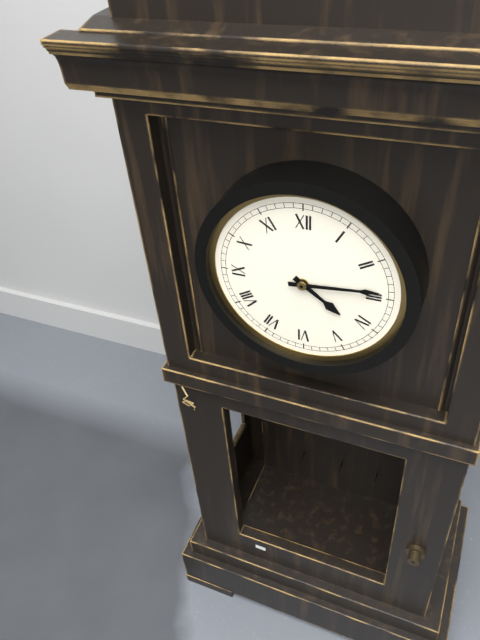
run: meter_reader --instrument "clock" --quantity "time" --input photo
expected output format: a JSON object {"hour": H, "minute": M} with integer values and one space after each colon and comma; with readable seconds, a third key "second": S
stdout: {"hour": 4, "minute": 14}
